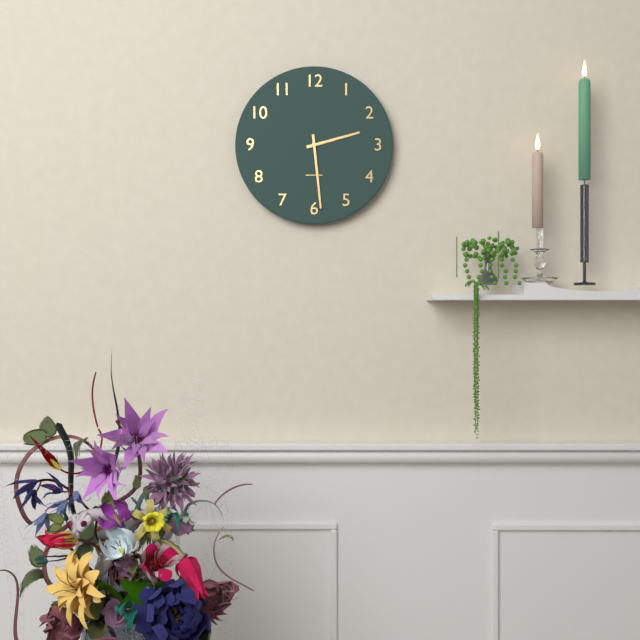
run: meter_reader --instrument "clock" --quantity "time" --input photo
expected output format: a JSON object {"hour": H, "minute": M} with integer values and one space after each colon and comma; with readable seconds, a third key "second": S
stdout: {"hour": 2, "minute": 29}
